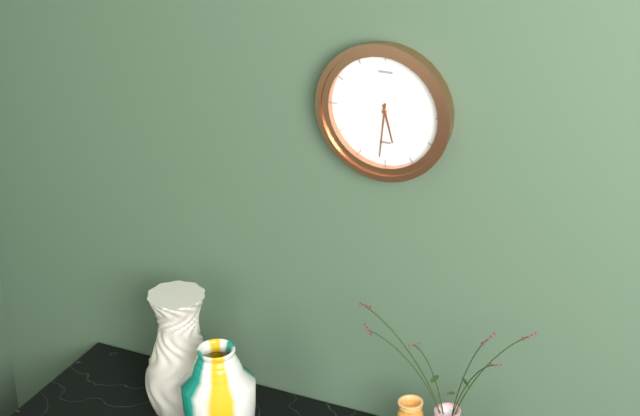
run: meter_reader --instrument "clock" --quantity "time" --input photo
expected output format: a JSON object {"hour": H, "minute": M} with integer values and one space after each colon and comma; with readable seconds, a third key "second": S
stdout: {"hour": 5, "minute": 31}
